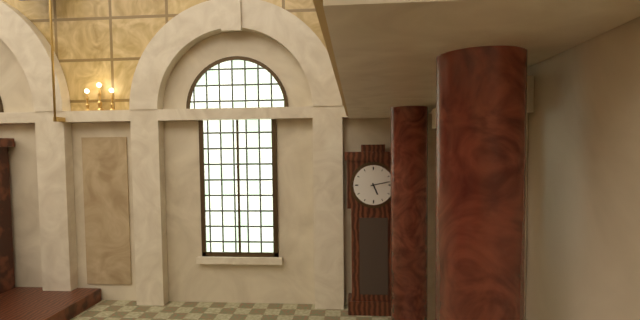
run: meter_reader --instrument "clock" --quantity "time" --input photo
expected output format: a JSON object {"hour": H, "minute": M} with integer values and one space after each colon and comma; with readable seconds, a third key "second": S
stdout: {"hour": 5, "minute": 13}
